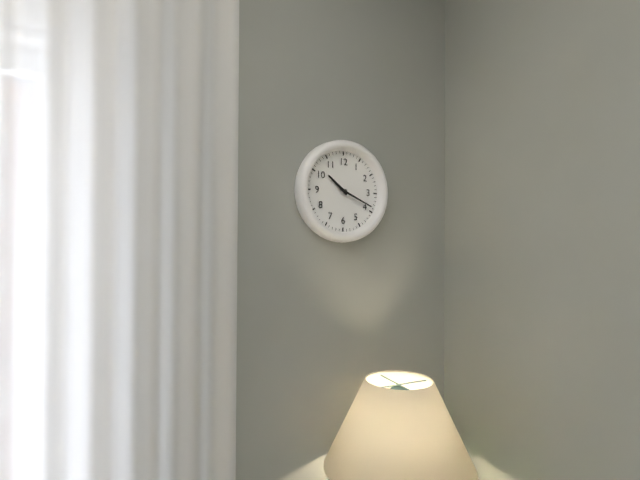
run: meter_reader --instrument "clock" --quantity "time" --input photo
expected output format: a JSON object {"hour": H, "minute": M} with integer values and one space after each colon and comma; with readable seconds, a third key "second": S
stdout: {"hour": 10, "minute": 19}
